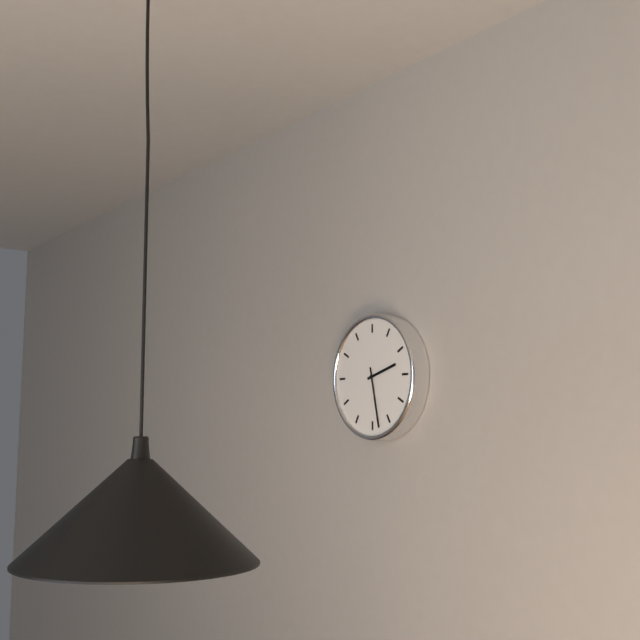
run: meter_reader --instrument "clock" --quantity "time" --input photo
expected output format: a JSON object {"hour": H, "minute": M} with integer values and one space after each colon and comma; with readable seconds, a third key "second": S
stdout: {"hour": 2, "minute": 28}
